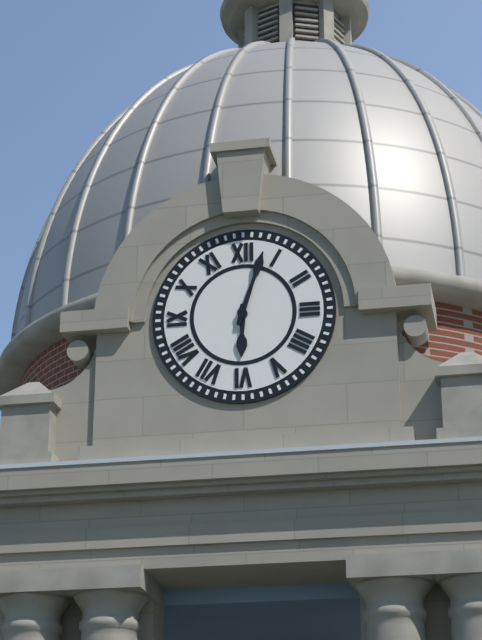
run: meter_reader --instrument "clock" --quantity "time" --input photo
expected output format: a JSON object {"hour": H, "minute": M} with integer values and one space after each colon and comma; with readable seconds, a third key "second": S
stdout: {"hour": 6, "minute": 3}
